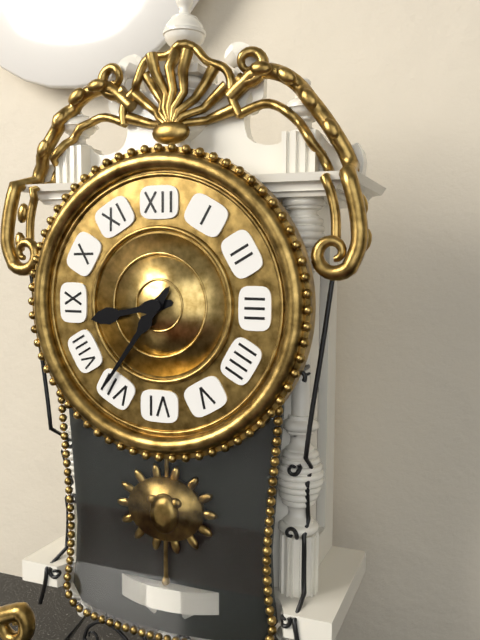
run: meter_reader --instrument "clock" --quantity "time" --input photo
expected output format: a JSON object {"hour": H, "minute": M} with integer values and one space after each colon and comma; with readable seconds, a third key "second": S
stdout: {"hour": 8, "minute": 36}
